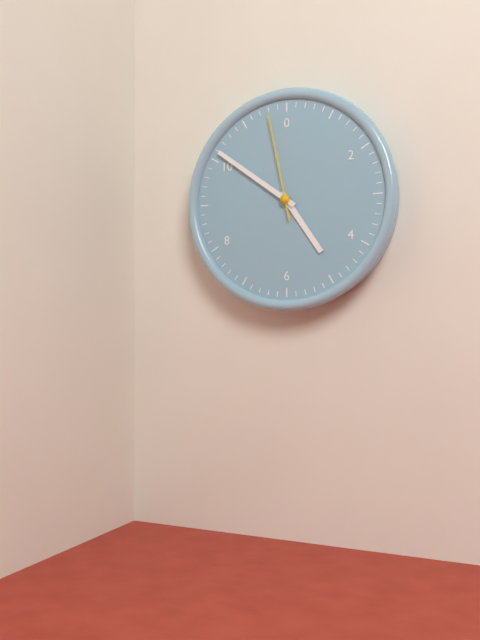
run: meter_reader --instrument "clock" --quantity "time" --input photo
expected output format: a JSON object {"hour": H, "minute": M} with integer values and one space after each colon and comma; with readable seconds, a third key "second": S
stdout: {"hour": 4, "minute": 51, "second": 58}
